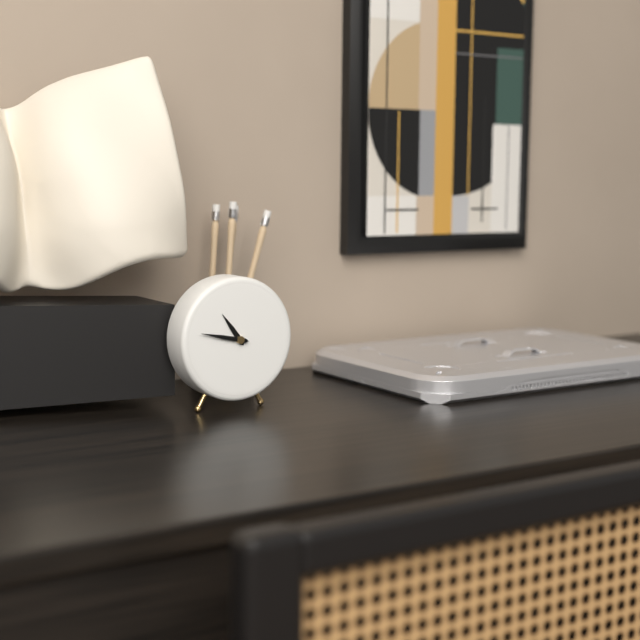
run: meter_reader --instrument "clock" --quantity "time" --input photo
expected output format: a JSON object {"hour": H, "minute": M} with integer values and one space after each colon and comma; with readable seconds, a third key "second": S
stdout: {"hour": 10, "minute": 47}
